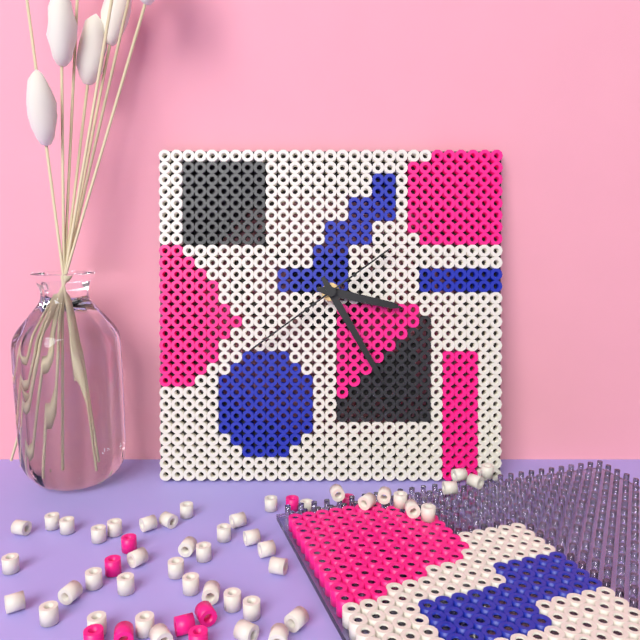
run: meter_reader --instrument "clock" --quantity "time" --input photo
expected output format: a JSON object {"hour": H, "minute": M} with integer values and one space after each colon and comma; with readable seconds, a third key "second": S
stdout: {"hour": 3, "minute": 25, "second": 39}
